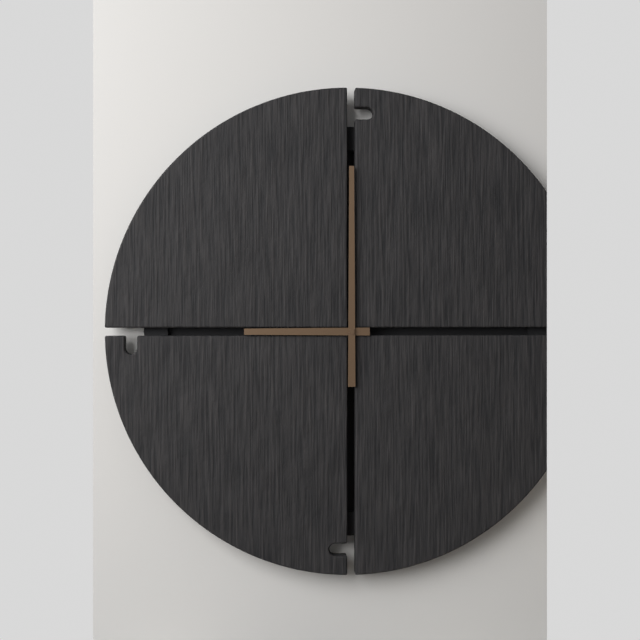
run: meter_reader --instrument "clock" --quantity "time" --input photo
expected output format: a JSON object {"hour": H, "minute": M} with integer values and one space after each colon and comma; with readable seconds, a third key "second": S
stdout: {"hour": 9, "minute": 0}
